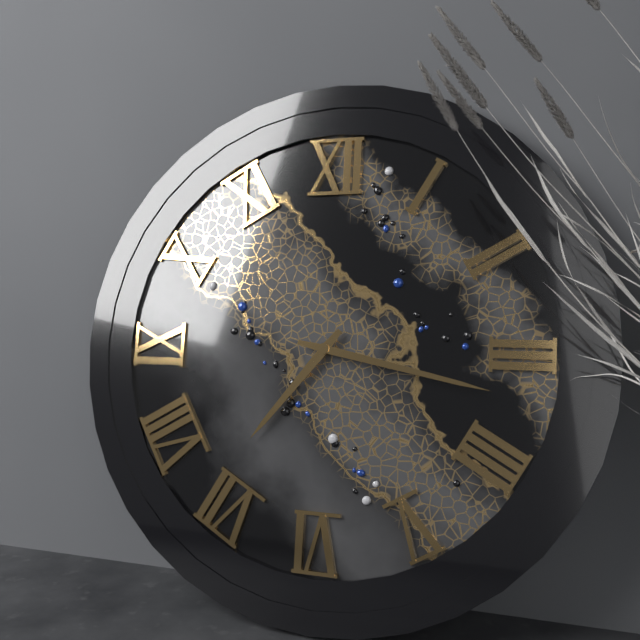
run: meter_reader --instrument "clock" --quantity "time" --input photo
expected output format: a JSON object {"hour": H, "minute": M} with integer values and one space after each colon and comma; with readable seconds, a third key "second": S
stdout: {"hour": 7, "minute": 17}
